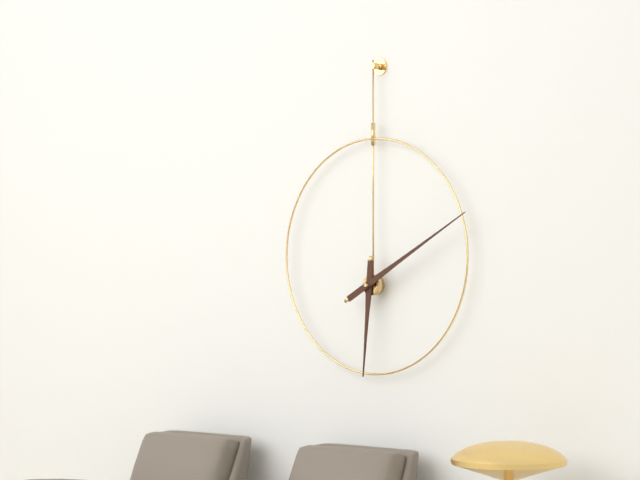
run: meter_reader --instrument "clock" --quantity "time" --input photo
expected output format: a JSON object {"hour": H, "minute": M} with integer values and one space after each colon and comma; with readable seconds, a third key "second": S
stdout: {"hour": 6, "minute": 10}
